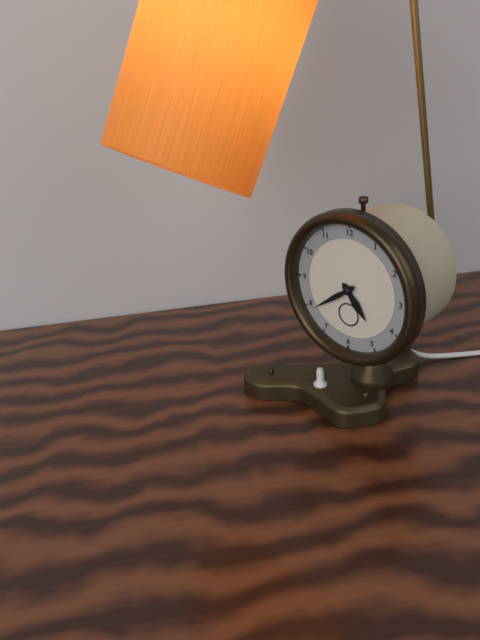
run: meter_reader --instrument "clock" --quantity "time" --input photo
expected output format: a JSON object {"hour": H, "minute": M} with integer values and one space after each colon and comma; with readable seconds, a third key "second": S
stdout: {"hour": 4, "minute": 39}
